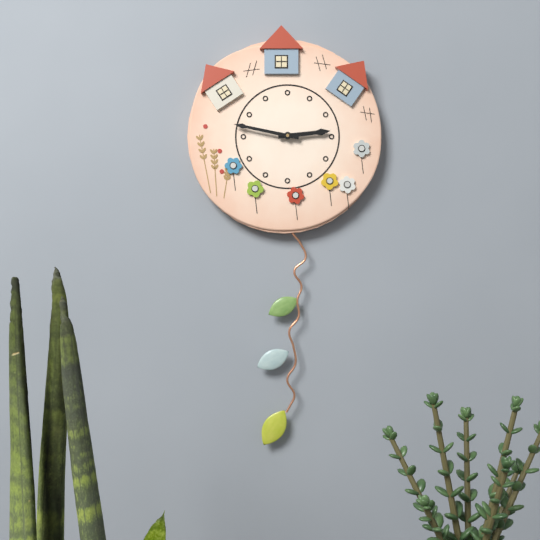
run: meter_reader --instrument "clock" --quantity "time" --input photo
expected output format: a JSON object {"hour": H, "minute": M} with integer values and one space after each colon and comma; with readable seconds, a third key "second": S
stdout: {"hour": 2, "minute": 47}
